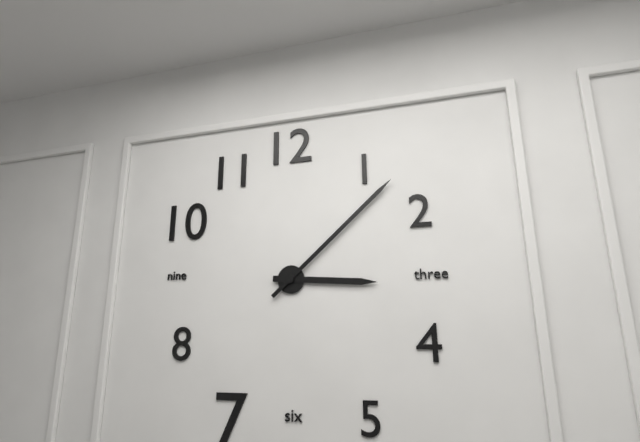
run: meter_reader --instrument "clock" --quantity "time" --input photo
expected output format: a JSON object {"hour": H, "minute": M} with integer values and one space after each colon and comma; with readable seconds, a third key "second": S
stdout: {"hour": 3, "minute": 8}
